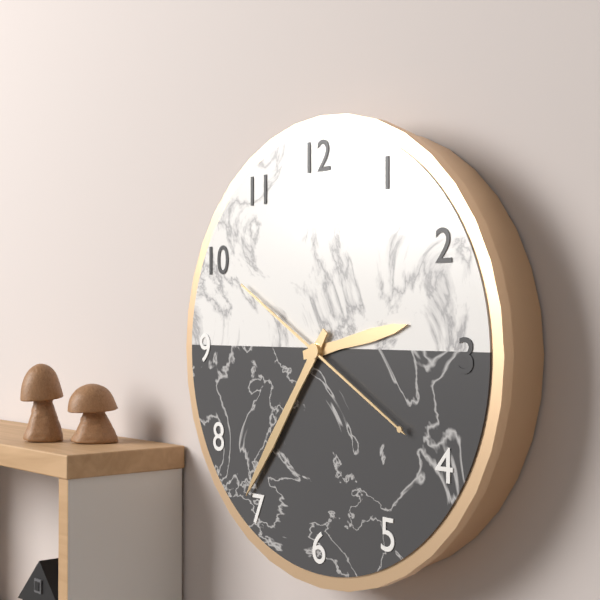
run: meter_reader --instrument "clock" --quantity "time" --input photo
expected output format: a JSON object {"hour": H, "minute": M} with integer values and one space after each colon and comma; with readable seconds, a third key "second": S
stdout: {"hour": 2, "minute": 36, "second": 20}
